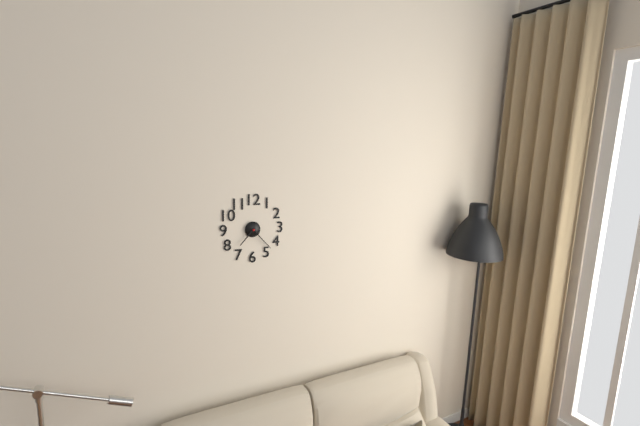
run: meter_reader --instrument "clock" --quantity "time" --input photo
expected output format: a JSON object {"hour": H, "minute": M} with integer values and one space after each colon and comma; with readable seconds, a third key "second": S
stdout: {"hour": 7, "minute": 23}
